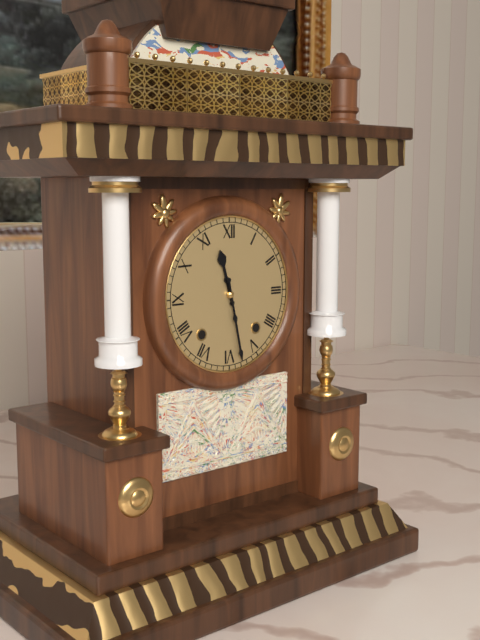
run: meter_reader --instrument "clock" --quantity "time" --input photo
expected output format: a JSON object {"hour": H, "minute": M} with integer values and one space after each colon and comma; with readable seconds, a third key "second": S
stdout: {"hour": 11, "minute": 28}
